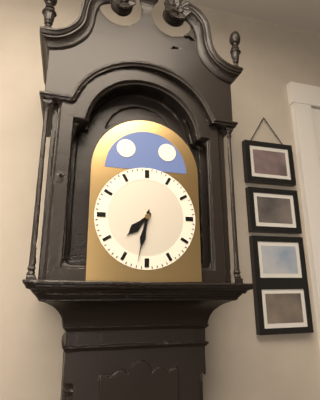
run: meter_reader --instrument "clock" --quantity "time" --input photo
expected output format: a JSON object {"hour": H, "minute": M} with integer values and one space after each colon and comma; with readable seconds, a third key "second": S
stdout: {"hour": 7, "minute": 32}
